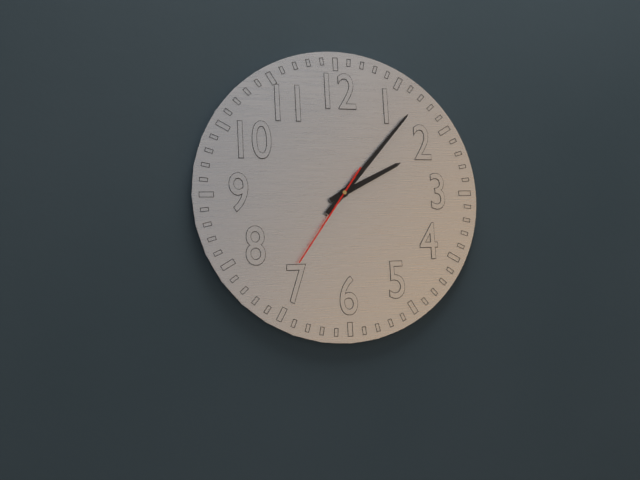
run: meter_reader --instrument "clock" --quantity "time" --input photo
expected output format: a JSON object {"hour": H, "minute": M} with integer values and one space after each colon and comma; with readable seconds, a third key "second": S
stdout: {"hour": 2, "minute": 7, "second": 36}
